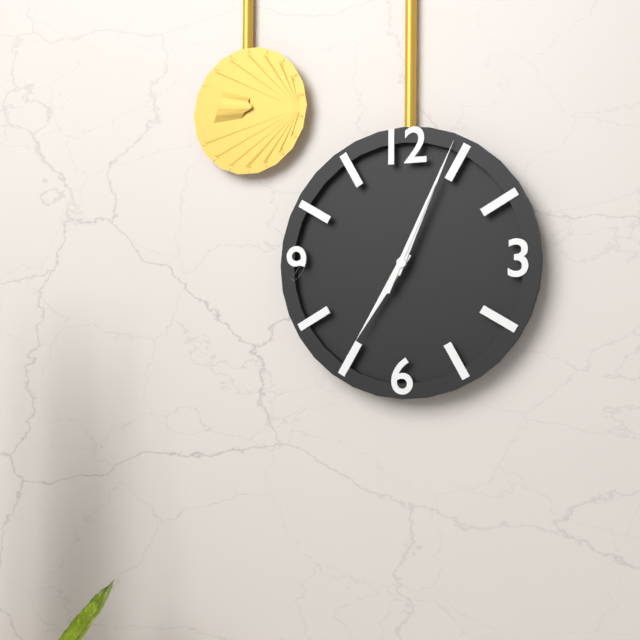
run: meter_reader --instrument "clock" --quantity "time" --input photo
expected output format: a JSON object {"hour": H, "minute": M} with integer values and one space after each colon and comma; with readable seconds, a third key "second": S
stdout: {"hour": 7, "minute": 4, "second": 4}
